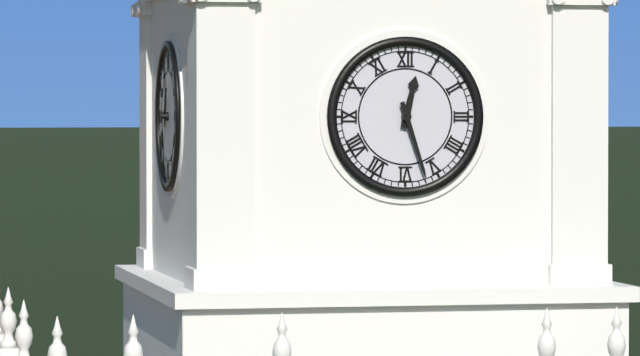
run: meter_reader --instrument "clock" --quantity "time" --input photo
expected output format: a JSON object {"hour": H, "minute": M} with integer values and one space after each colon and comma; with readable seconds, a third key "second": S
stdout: {"hour": 12, "minute": 27}
